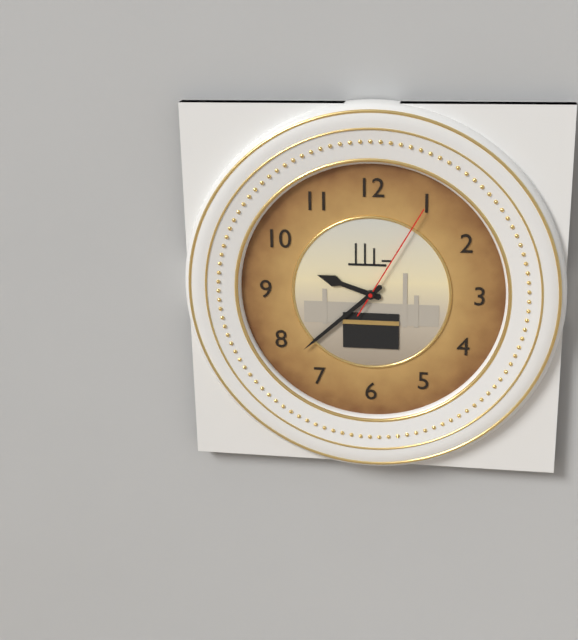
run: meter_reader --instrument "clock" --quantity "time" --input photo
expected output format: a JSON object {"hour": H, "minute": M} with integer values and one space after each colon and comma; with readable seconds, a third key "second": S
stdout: {"hour": 9, "minute": 38, "second": 5}
